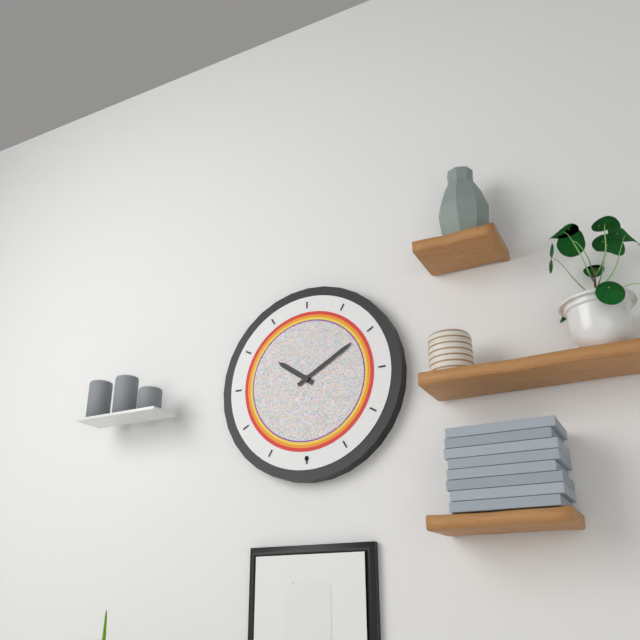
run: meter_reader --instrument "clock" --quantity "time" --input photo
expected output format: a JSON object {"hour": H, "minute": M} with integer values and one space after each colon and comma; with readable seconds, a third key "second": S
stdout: {"hour": 10, "minute": 10}
